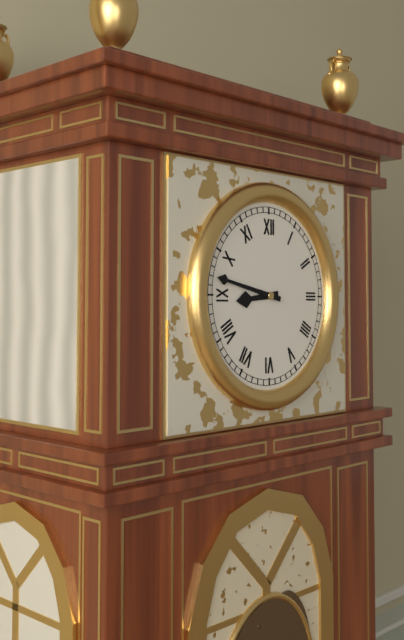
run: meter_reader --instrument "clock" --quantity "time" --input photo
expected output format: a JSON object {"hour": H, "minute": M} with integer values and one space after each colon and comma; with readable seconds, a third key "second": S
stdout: {"hour": 8, "minute": 47}
